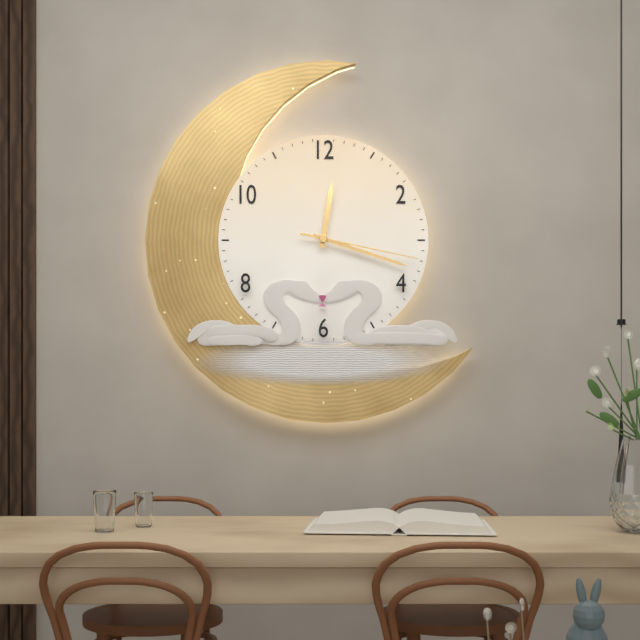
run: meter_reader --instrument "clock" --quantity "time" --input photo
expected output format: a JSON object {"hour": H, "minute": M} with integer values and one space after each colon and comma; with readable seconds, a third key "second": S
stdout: {"hour": 12, "minute": 18, "second": 17}
